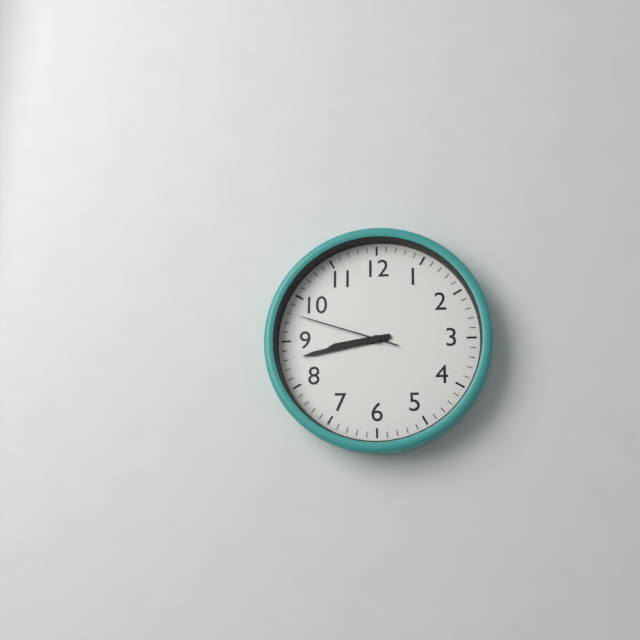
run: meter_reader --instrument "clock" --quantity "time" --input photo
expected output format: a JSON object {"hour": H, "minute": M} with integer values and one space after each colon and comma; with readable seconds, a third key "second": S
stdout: {"hour": 8, "minute": 43, "second": 48}
